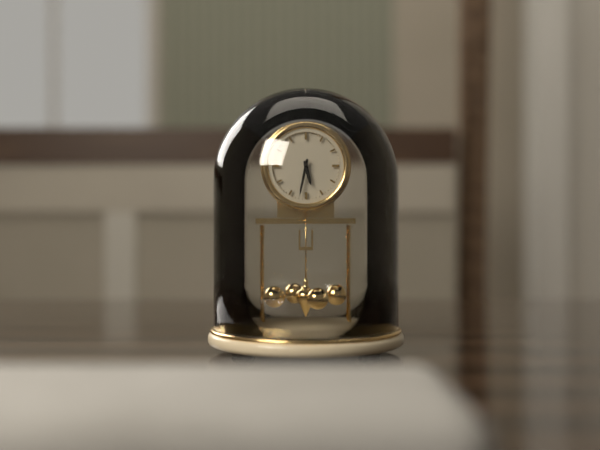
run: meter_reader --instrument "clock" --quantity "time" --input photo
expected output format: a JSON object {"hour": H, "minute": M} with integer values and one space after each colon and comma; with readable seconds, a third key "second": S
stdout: {"hour": 5, "minute": 32}
